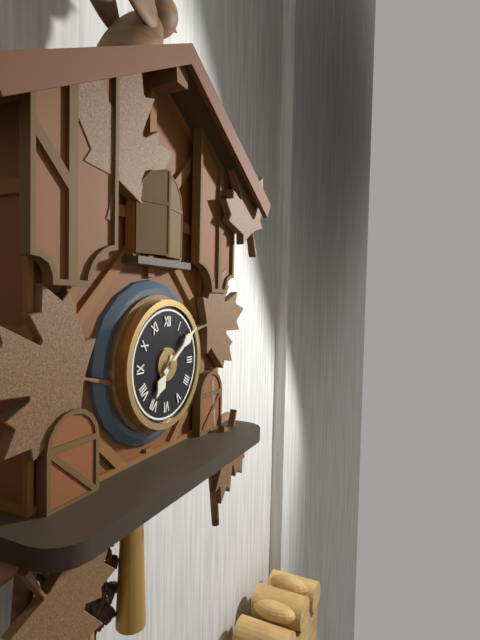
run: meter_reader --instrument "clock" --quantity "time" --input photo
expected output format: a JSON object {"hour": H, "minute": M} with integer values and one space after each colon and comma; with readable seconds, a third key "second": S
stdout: {"hour": 7, "minute": 9}
